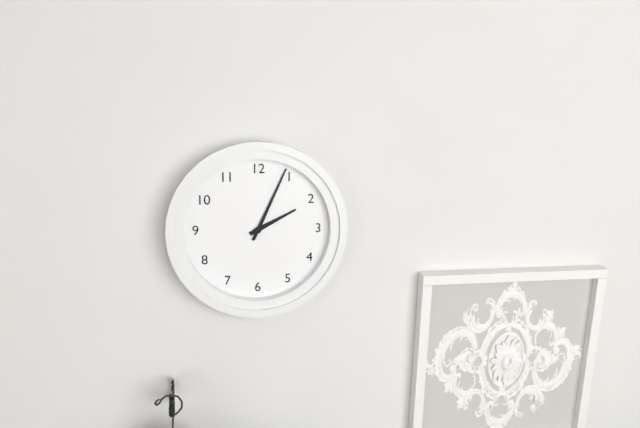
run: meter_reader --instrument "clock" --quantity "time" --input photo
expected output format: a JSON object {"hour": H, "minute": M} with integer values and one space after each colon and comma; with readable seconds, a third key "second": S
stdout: {"hour": 2, "minute": 4}
